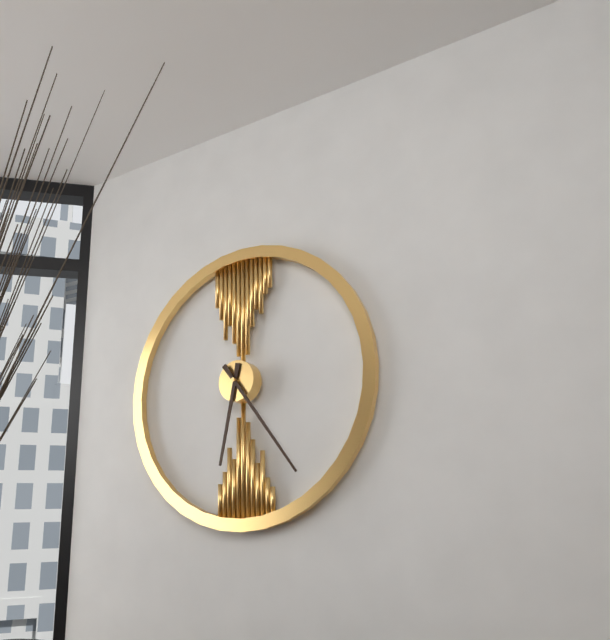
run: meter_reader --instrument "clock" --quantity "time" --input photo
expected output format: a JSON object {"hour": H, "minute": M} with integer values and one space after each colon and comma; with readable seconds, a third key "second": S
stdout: {"hour": 6, "minute": 24}
